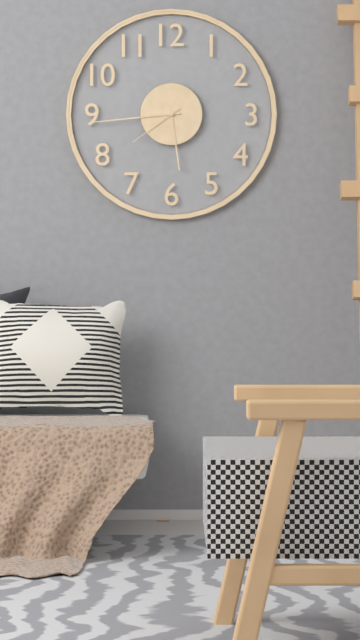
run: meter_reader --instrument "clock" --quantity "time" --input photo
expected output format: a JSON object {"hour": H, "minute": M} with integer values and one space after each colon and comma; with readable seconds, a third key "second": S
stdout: {"hour": 5, "minute": 44, "second": 39}
